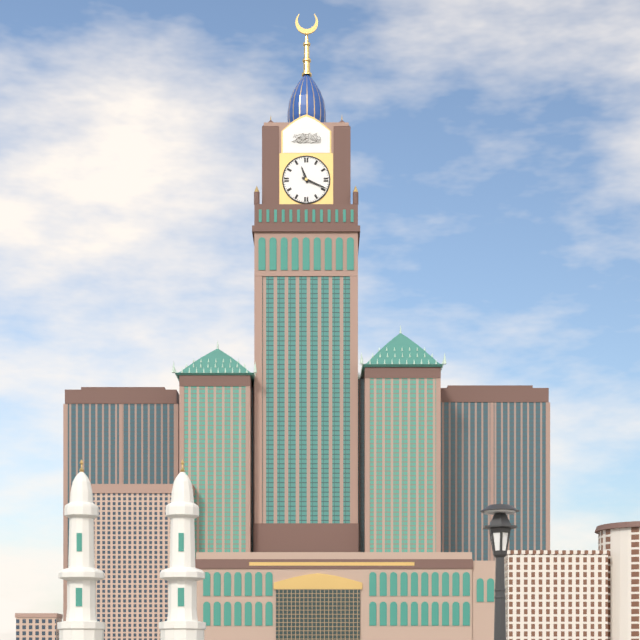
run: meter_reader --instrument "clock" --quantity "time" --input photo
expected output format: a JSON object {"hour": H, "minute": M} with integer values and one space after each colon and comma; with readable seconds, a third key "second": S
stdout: {"hour": 11, "minute": 19}
